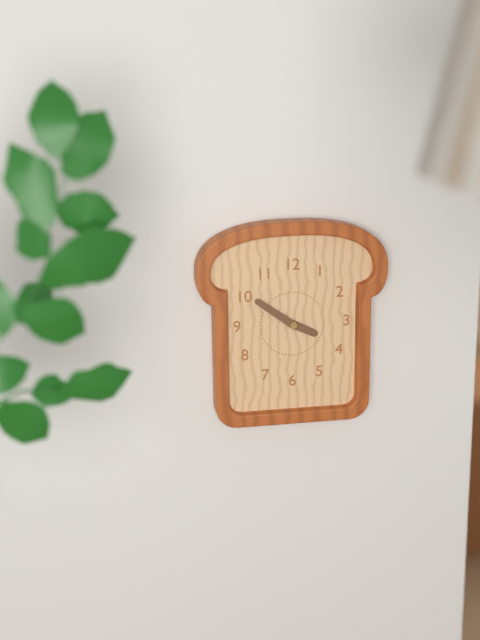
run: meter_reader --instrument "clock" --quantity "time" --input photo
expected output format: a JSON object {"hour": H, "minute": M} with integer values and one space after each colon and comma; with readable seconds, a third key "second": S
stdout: {"hour": 3, "minute": 51}
